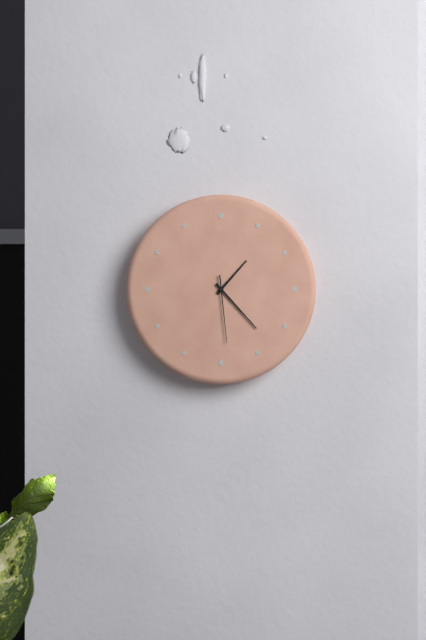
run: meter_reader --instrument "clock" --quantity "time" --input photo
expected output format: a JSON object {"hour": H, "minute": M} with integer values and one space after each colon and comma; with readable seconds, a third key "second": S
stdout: {"hour": 1, "minute": 23, "second": 29}
